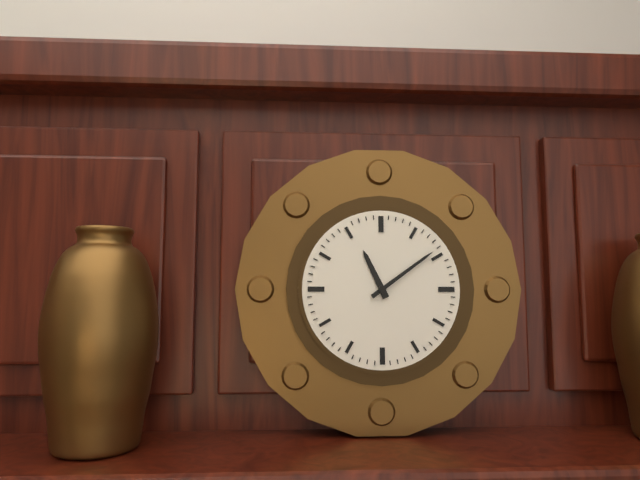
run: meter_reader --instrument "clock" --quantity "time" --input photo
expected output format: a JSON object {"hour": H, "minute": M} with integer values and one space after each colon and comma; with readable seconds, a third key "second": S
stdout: {"hour": 11, "minute": 9}
